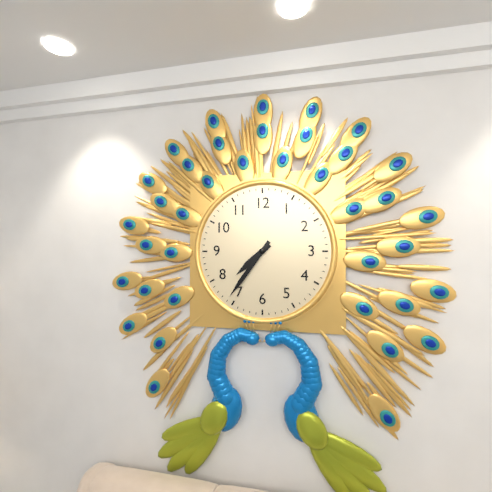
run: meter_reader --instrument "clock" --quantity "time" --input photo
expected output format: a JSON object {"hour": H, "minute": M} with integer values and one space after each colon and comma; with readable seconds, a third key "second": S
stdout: {"hour": 7, "minute": 36}
